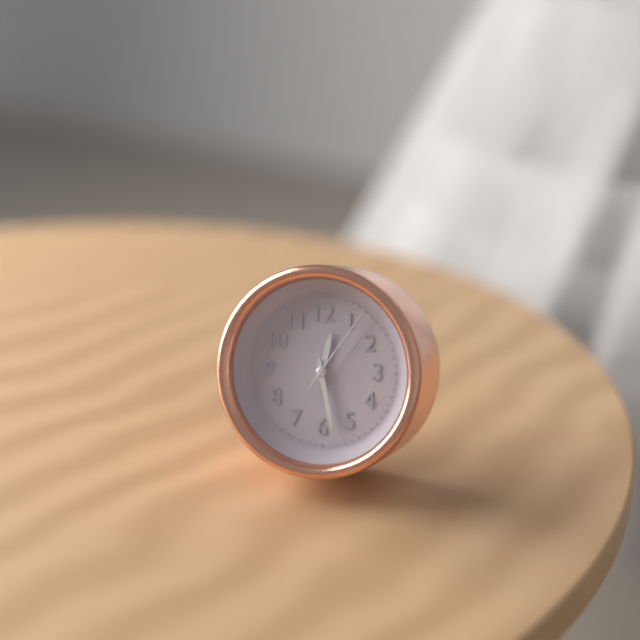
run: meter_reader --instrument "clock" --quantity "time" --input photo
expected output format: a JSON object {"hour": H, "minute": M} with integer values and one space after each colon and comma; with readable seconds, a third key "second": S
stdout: {"hour": 12, "minute": 28, "second": 6}
